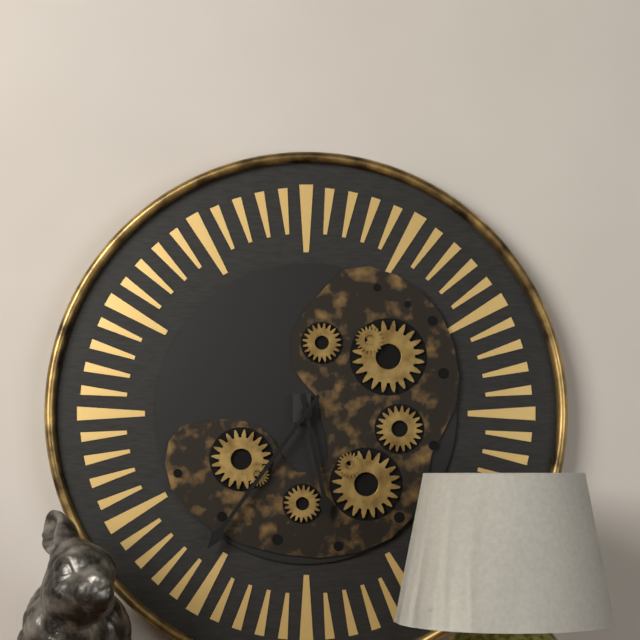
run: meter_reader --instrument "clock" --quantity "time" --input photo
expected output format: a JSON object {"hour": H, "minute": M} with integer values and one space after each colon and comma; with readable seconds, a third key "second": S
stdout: {"hour": 5, "minute": 36}
